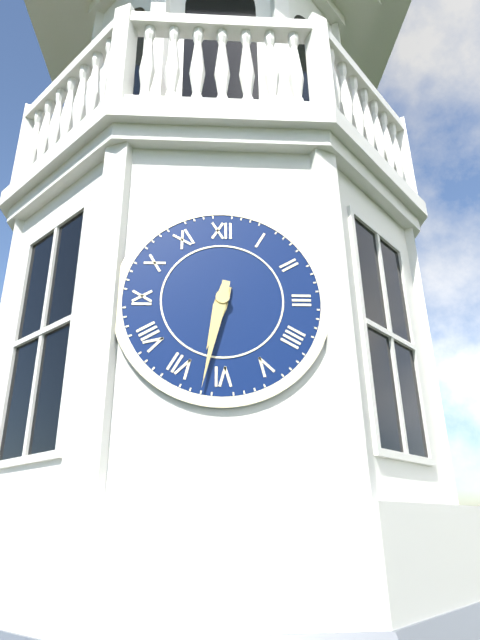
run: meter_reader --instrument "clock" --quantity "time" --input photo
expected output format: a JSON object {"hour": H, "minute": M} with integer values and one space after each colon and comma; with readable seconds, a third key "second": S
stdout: {"hour": 6, "minute": 32}
